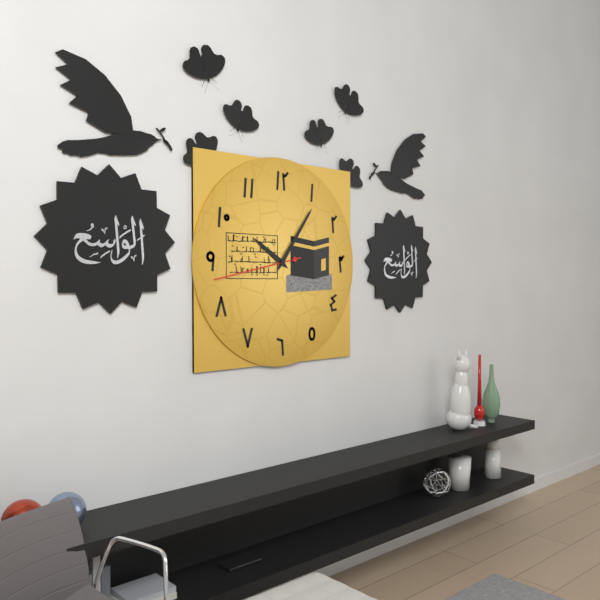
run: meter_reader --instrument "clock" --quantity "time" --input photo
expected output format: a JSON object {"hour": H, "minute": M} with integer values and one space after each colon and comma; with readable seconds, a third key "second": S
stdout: {"hour": 10, "minute": 6, "second": 43}
